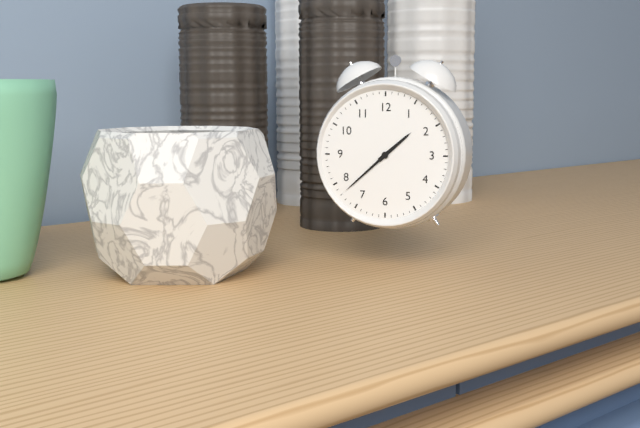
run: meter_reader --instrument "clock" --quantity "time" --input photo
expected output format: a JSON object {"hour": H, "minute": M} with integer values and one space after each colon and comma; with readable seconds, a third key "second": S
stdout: {"hour": 1, "minute": 38}
